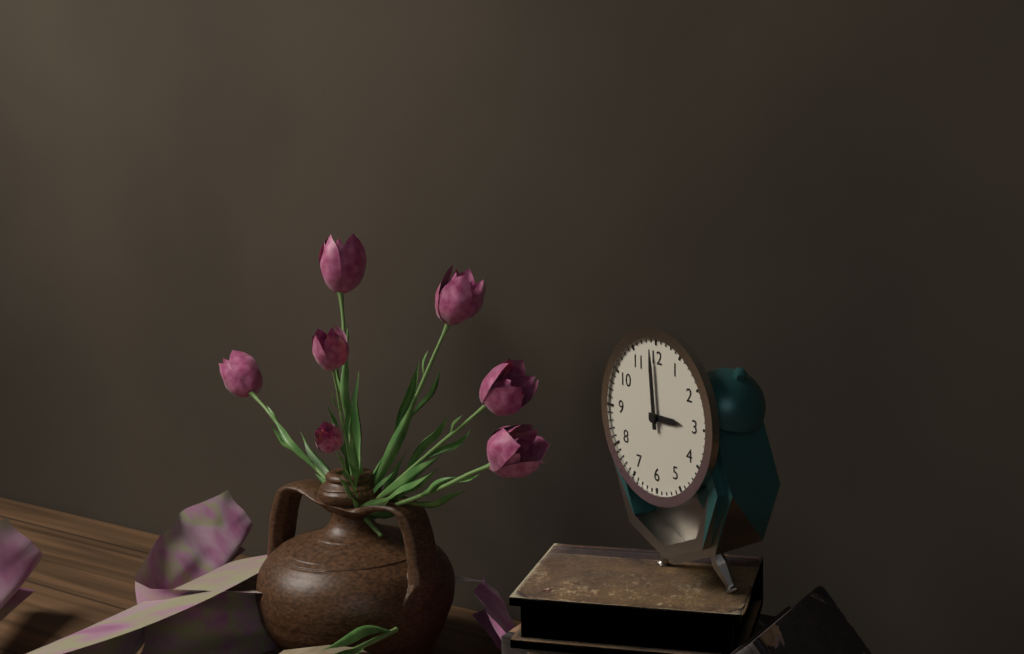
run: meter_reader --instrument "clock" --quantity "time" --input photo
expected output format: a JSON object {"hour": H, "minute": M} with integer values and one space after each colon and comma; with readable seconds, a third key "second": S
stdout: {"hour": 2, "minute": 59}
